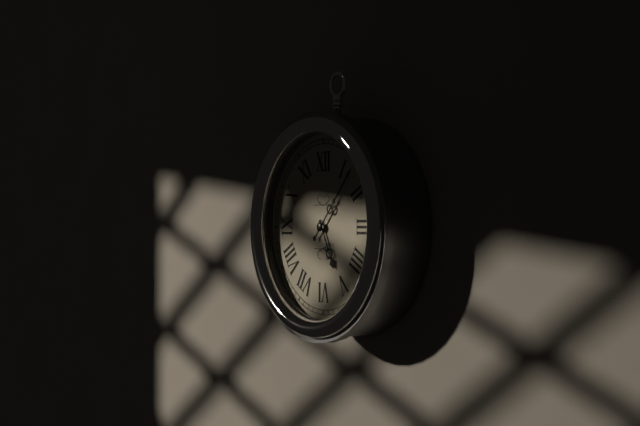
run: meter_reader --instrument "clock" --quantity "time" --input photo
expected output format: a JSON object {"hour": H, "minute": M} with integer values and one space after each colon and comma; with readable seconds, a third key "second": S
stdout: {"hour": 5, "minute": 7}
